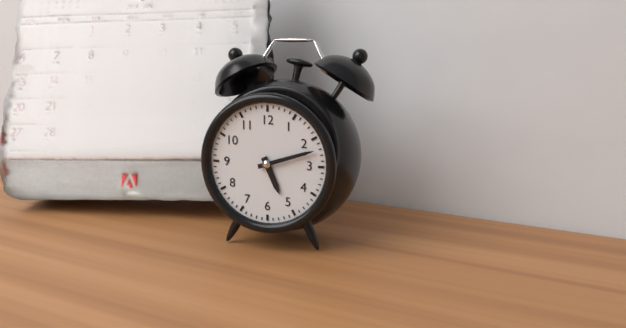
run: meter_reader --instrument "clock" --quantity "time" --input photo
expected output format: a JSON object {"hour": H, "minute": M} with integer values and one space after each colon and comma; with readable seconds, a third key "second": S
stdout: {"hour": 5, "minute": 12}
